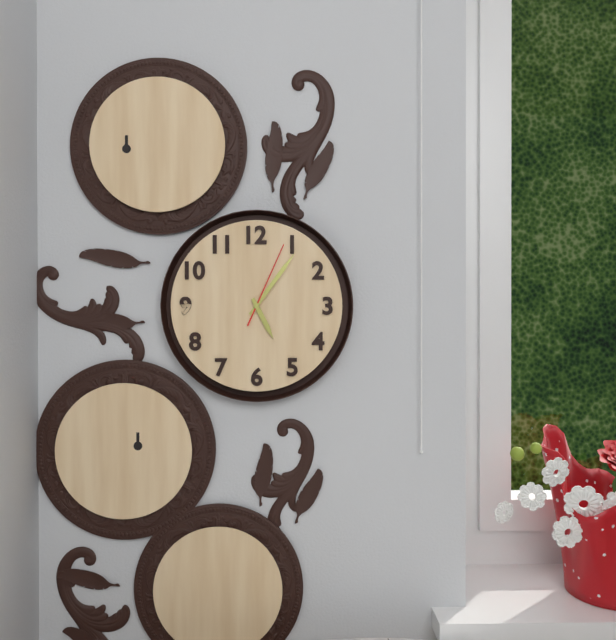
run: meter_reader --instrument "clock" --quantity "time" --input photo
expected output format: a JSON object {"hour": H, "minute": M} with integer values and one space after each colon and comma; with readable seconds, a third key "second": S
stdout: {"hour": 5, "minute": 6, "second": 4}
